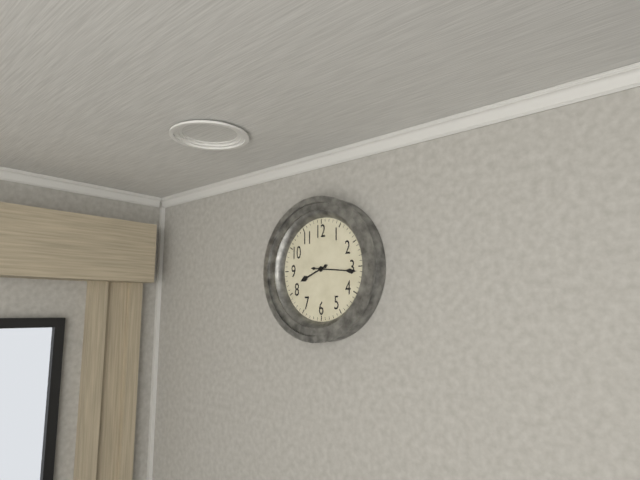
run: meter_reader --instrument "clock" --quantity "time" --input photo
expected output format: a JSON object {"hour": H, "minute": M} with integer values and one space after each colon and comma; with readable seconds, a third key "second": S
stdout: {"hour": 8, "minute": 16}
